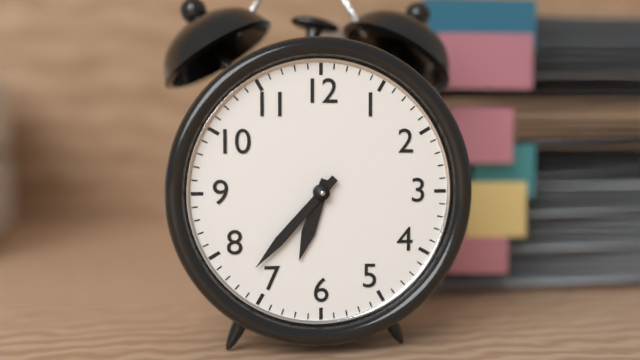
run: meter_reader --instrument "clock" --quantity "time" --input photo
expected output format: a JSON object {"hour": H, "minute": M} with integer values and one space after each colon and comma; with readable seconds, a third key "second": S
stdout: {"hour": 6, "minute": 37}
